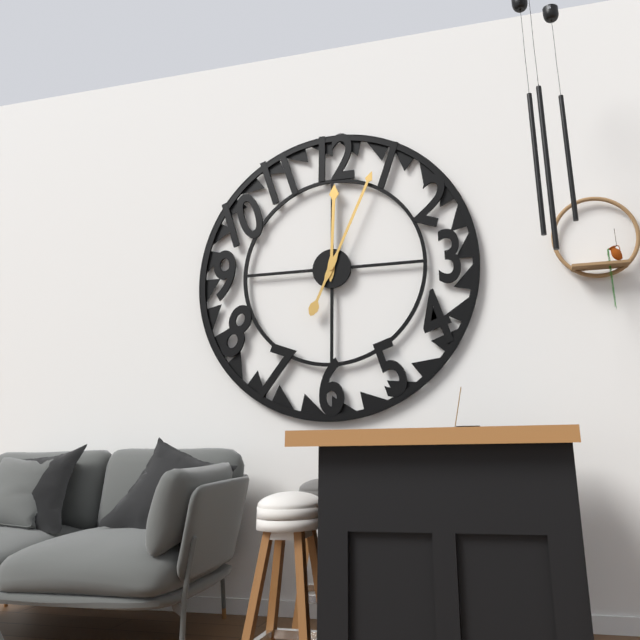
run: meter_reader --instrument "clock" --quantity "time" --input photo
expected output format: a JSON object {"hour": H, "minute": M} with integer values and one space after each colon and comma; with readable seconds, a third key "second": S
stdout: {"hour": 12, "minute": 4}
